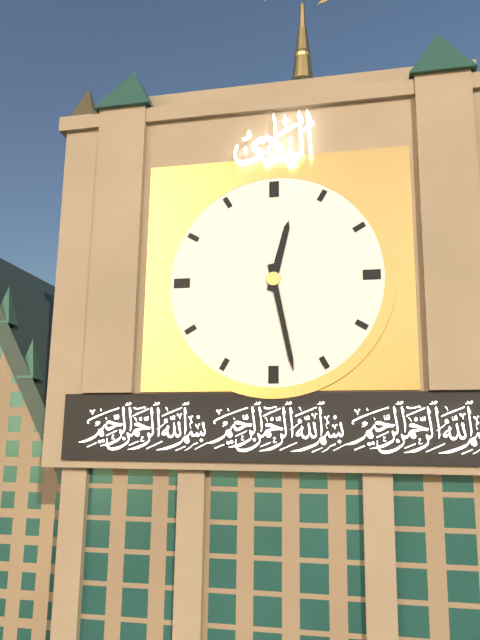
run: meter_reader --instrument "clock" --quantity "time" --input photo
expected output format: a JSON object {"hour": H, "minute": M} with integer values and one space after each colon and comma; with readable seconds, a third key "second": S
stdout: {"hour": 12, "minute": 28}
